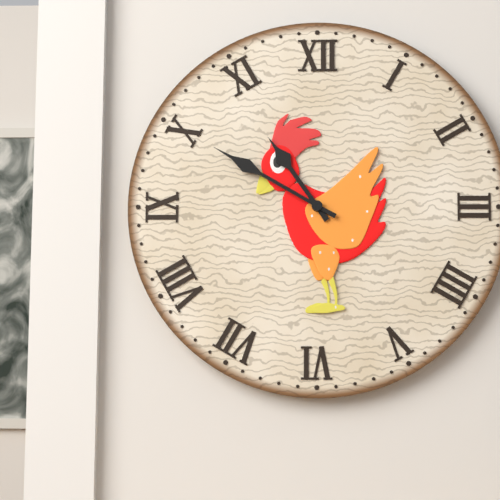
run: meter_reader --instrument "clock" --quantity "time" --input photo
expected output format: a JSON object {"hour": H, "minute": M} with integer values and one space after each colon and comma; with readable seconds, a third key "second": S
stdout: {"hour": 10, "minute": 50}
